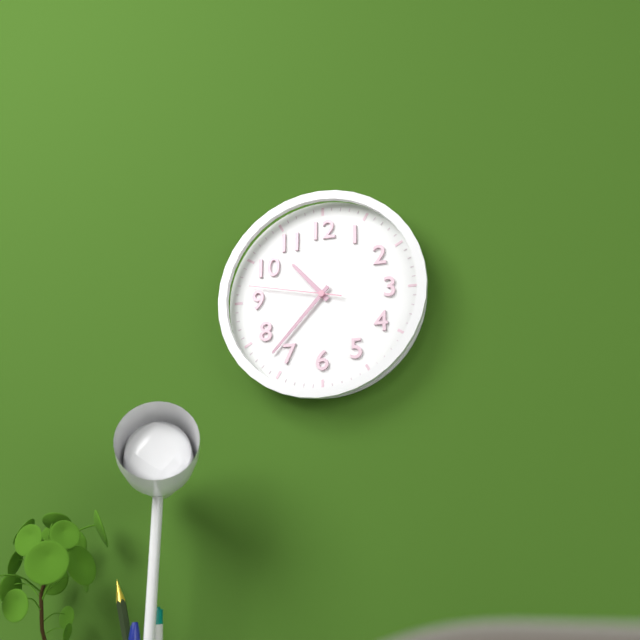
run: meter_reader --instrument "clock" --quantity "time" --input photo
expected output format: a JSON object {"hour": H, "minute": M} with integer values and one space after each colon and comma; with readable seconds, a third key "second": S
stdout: {"hour": 10, "minute": 37, "second": 47}
